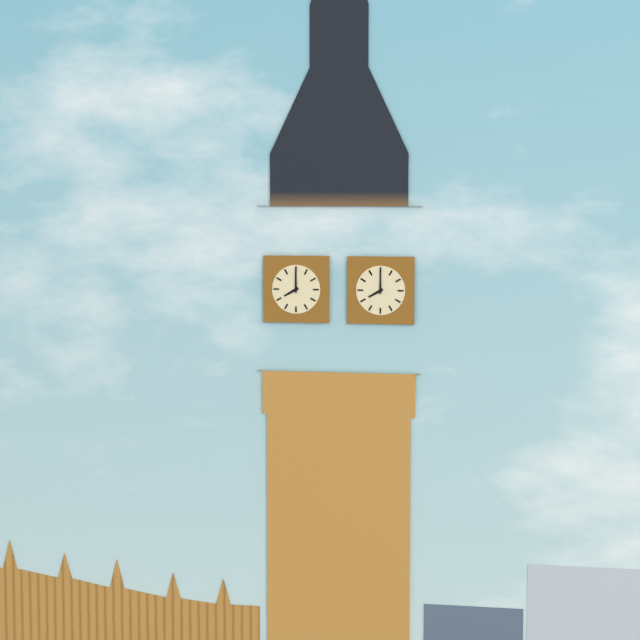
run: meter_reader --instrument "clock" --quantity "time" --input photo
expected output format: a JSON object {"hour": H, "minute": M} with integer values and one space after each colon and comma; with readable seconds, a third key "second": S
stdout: {"hour": 8, "minute": 0}
